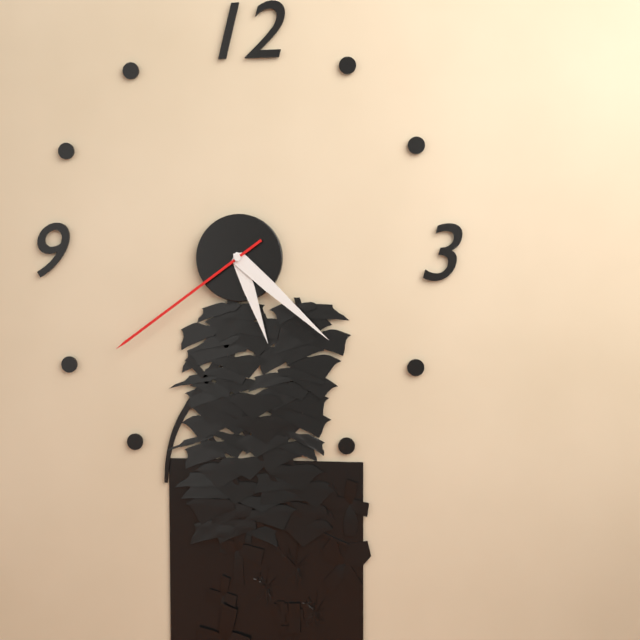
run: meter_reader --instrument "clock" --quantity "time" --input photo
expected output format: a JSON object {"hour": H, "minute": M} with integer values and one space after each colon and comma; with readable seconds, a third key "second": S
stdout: {"hour": 5, "minute": 22, "second": 39}
